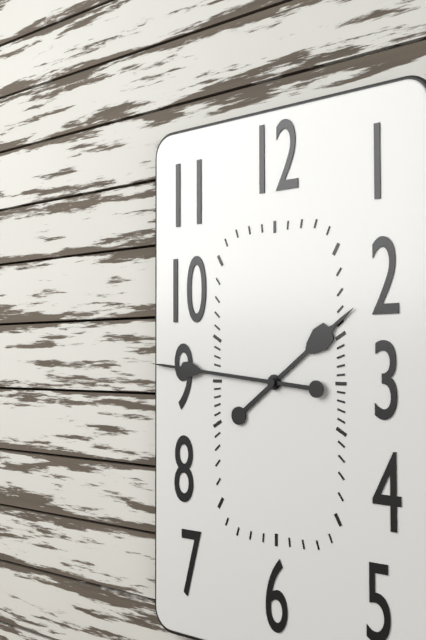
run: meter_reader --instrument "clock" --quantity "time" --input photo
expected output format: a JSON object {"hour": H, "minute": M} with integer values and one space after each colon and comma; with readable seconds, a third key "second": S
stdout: {"hour": 1, "minute": 46}
